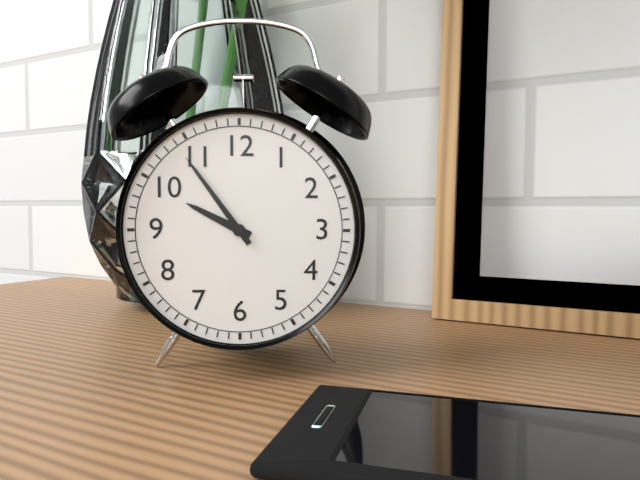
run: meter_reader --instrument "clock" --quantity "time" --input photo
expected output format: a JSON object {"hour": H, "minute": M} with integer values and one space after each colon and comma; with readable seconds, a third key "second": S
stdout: {"hour": 9, "minute": 54}
